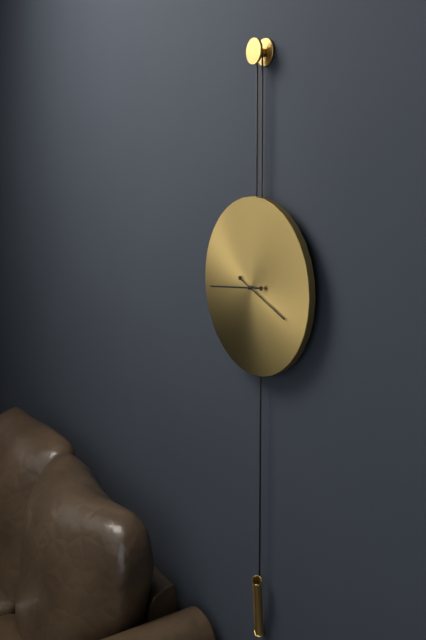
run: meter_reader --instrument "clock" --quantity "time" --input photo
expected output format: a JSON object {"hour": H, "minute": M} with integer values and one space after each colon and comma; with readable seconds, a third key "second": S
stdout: {"hour": 3, "minute": 44}
